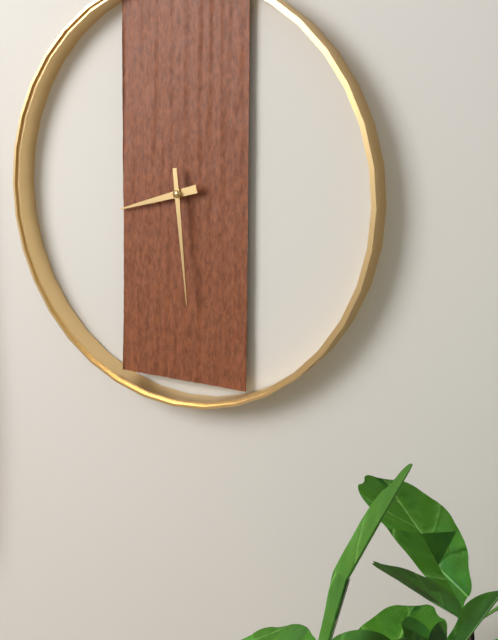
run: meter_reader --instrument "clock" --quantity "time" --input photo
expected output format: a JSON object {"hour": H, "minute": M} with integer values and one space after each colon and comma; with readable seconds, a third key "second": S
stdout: {"hour": 8, "minute": 29}
